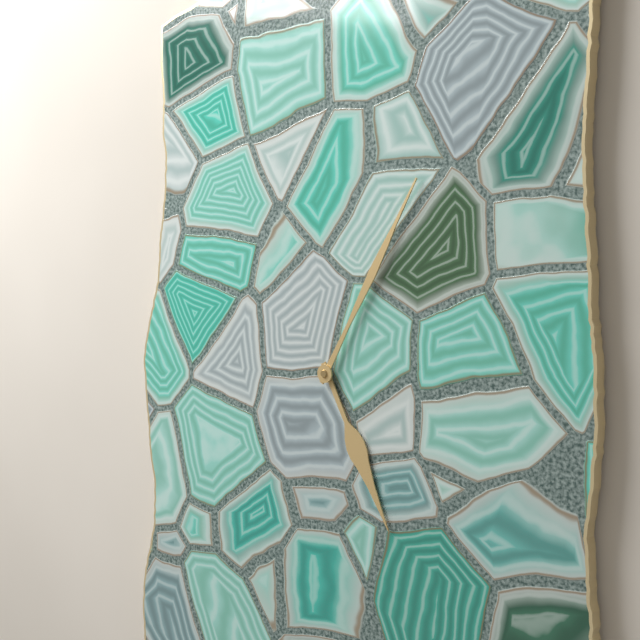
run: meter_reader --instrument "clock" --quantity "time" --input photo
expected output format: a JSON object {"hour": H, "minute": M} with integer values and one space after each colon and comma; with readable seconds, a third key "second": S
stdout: {"hour": 5, "minute": 5}
